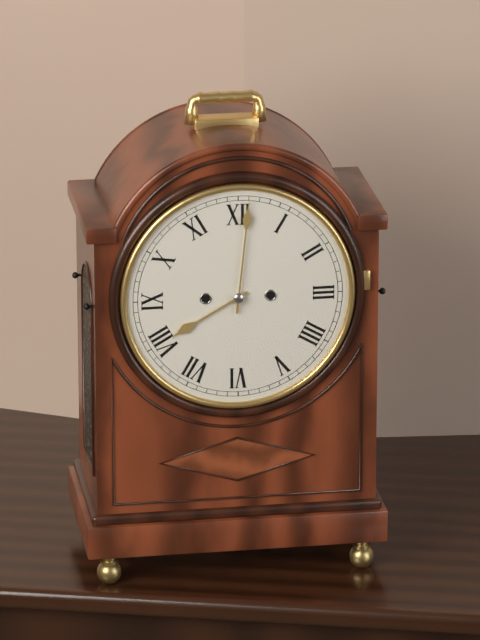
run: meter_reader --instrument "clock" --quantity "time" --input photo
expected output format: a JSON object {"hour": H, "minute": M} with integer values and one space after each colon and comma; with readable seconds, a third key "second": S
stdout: {"hour": 8, "minute": 1}
